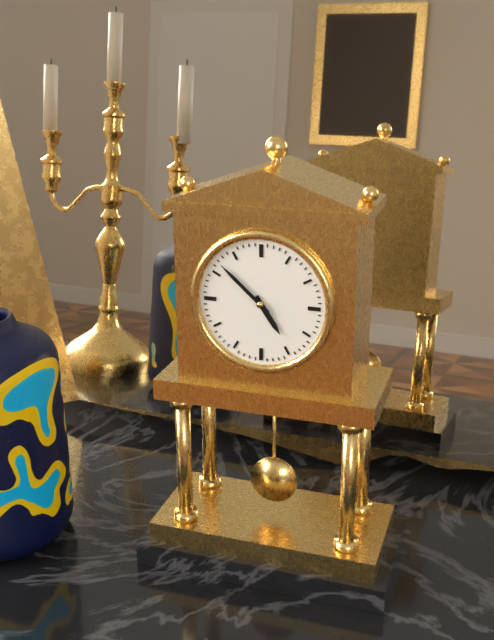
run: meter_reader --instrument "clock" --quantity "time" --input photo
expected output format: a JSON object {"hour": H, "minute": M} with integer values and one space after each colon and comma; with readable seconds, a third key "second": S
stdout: {"hour": 4, "minute": 52}
